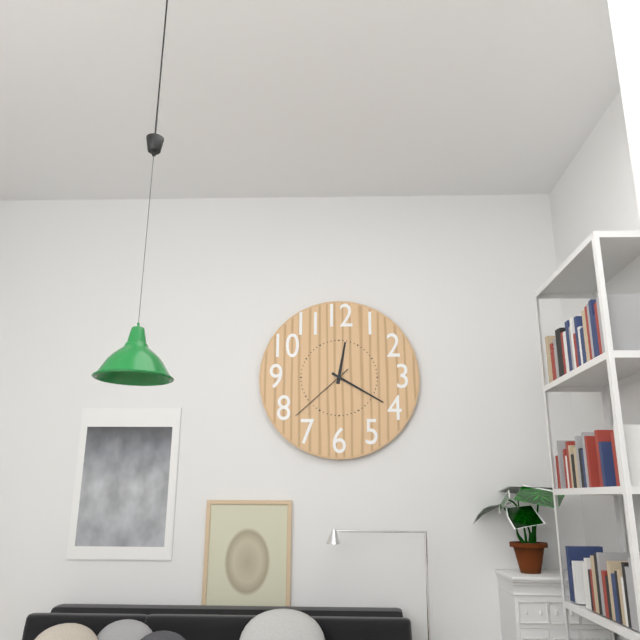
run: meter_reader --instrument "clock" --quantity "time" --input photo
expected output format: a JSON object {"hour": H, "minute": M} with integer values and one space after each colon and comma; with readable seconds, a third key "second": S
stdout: {"hour": 12, "minute": 20, "second": 38}
